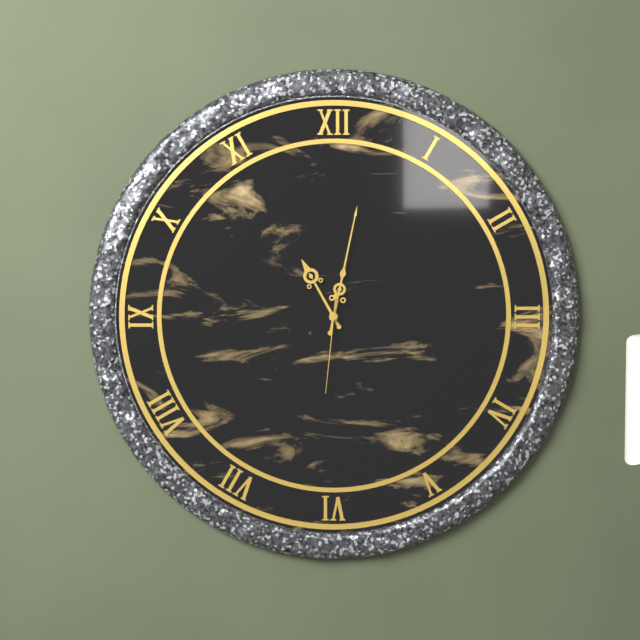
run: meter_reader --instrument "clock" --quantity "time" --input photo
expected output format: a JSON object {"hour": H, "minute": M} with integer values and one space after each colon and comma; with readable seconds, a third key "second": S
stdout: {"hour": 11, "minute": 2, "second": 31}
